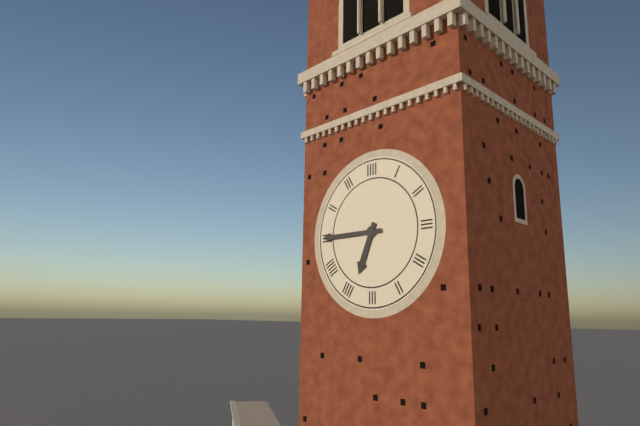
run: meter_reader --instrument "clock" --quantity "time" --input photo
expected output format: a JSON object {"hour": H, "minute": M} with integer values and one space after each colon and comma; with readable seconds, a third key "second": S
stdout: {"hour": 6, "minute": 45}
